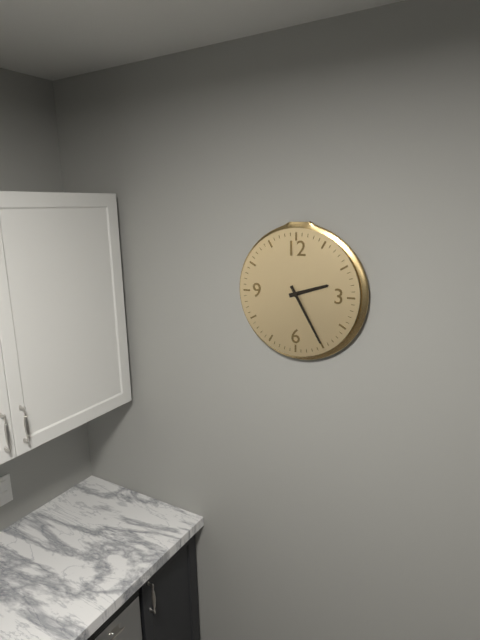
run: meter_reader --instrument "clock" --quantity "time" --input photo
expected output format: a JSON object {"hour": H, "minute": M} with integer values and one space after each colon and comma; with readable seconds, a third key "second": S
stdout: {"hour": 2, "minute": 25}
